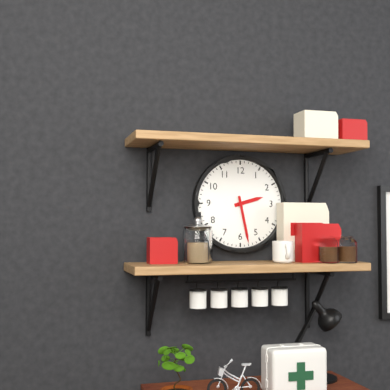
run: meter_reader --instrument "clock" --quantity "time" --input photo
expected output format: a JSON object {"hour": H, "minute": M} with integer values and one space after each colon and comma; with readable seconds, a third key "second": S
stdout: {"hour": 2, "minute": 28}
